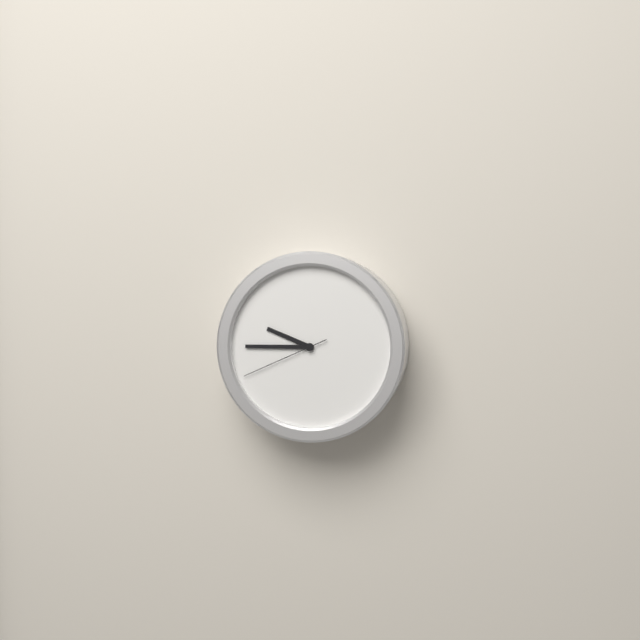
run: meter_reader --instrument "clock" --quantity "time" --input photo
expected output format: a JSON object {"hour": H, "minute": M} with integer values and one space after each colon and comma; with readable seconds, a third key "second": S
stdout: {"hour": 9, "minute": 45, "second": 41}
